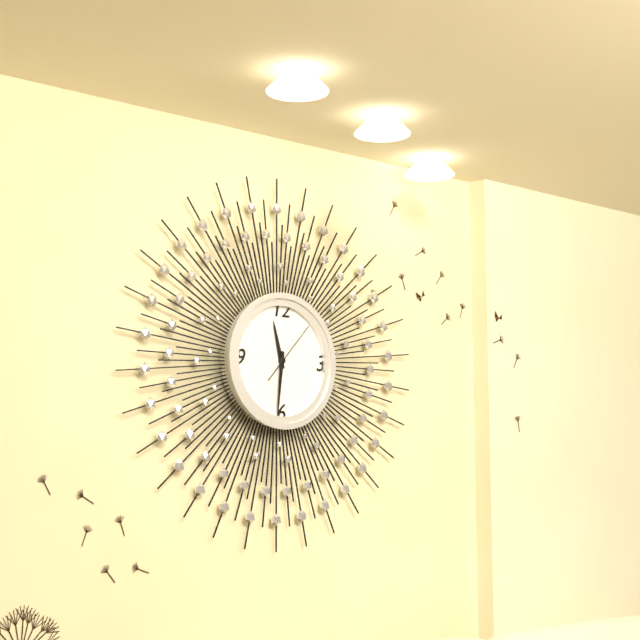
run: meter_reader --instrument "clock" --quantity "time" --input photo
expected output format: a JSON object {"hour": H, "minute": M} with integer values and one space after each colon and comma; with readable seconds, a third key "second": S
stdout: {"hour": 11, "minute": 31, "second": 7}
